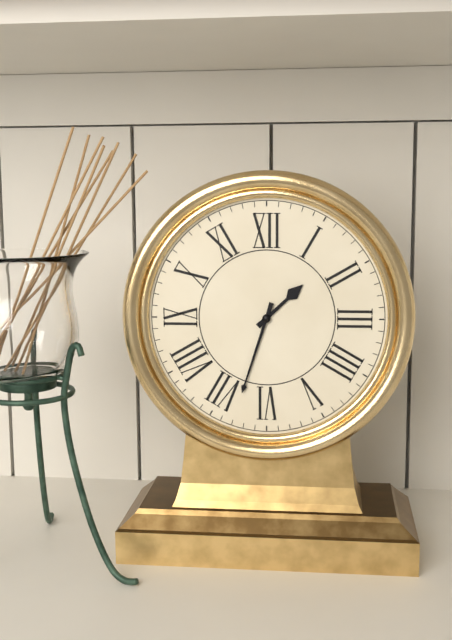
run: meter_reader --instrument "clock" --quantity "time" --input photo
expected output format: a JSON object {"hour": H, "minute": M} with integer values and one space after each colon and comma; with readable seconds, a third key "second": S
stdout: {"hour": 1, "minute": 33}
